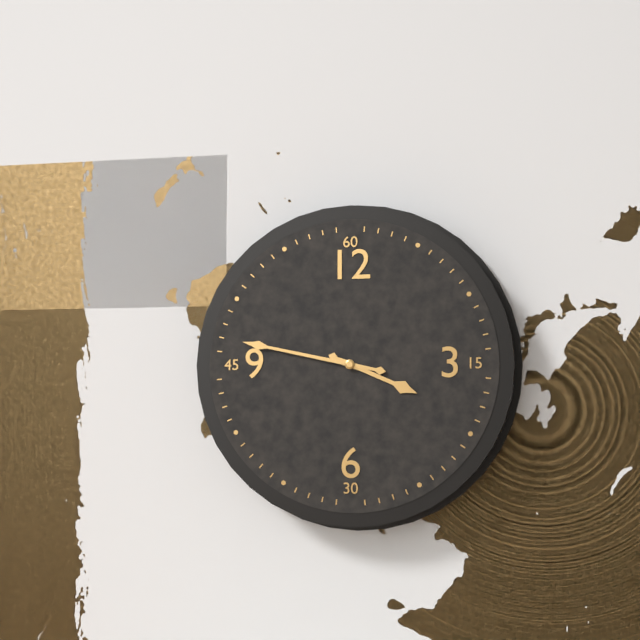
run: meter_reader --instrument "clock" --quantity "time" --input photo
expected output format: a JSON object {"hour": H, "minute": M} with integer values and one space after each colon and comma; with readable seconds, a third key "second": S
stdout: {"hour": 3, "minute": 47}
